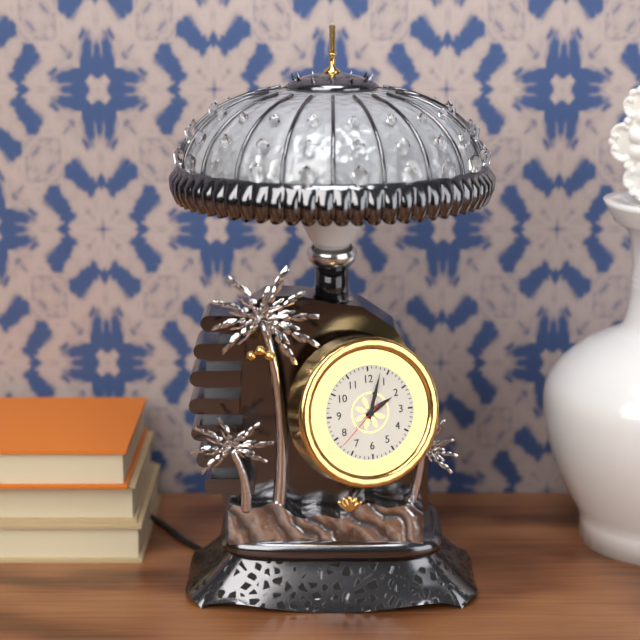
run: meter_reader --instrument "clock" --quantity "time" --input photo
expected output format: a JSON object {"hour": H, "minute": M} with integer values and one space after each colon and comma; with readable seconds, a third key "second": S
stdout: {"hour": 2, "minute": 3}
